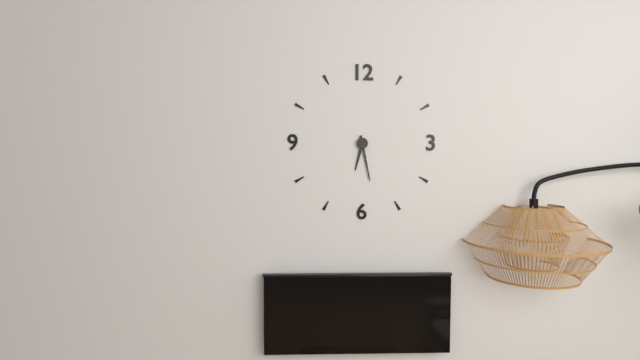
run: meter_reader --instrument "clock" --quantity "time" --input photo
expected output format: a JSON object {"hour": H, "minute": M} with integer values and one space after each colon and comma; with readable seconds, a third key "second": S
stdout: {"hour": 6, "minute": 28}
